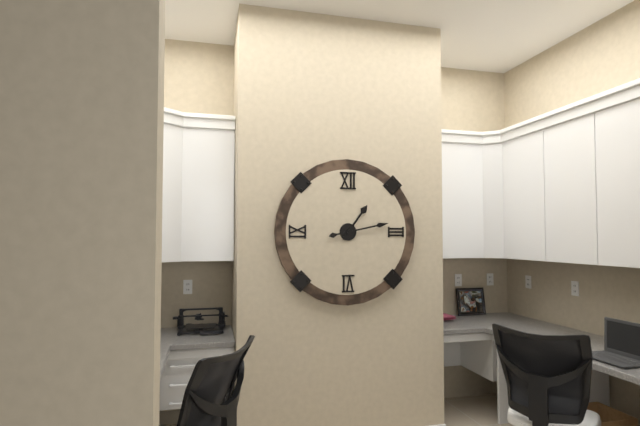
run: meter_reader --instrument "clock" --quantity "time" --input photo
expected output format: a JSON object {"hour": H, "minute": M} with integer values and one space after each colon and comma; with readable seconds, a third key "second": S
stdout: {"hour": 1, "minute": 13}
